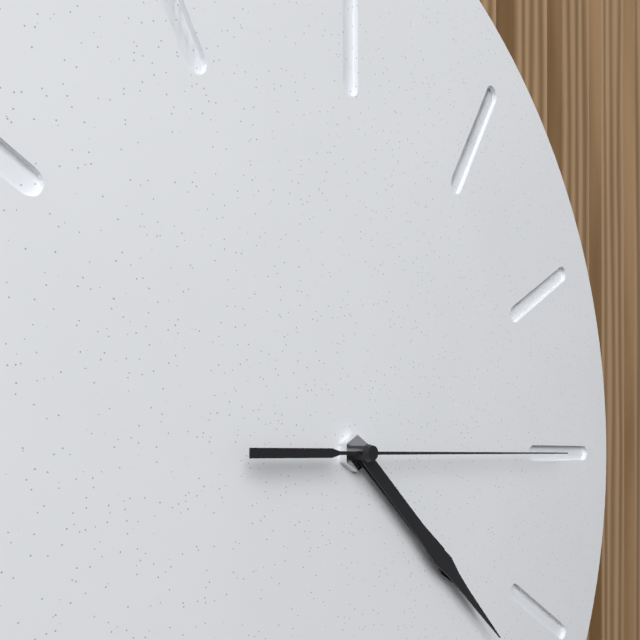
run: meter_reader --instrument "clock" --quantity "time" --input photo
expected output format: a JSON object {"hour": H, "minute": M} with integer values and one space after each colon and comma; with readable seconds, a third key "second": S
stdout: {"hour": 4, "minute": 22, "second": 15}
